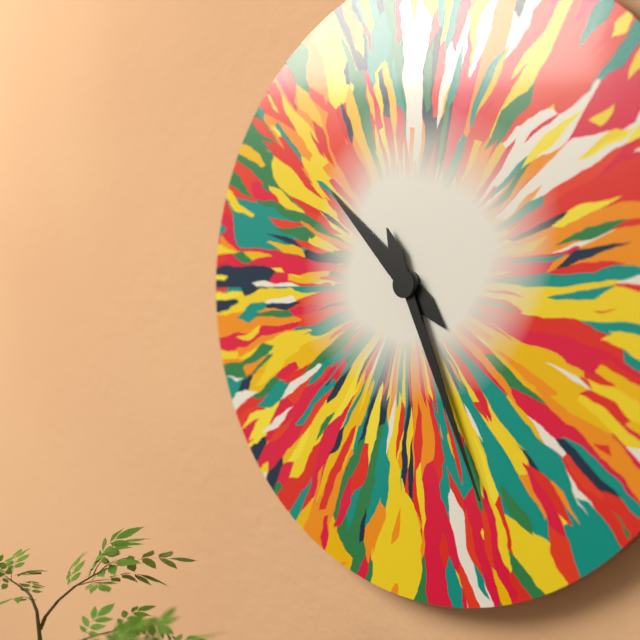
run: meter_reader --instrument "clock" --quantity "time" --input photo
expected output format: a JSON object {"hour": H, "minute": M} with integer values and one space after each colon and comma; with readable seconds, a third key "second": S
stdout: {"hour": 10, "minute": 26}
